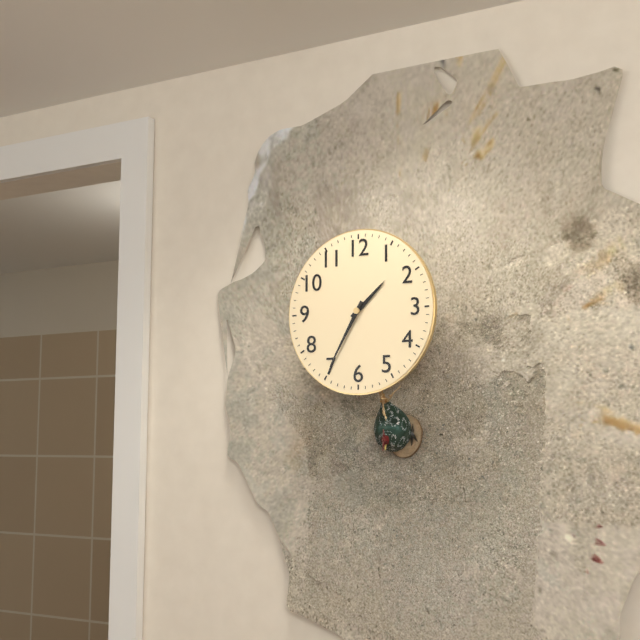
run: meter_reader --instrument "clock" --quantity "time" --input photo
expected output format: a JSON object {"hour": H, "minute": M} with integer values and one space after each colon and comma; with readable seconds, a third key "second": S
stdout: {"hour": 1, "minute": 35}
